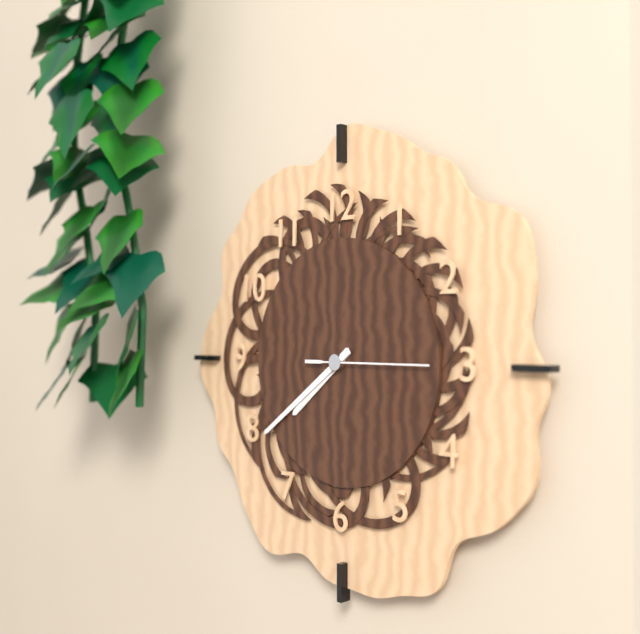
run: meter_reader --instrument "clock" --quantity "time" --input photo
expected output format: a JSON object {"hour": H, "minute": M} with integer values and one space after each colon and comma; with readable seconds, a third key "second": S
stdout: {"hour": 7, "minute": 39, "second": 15}
